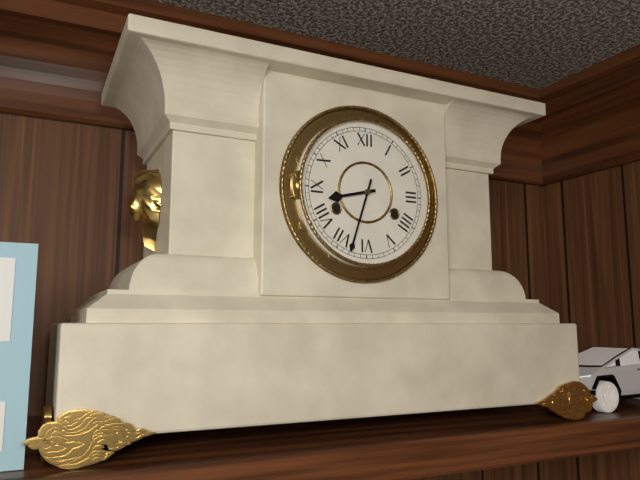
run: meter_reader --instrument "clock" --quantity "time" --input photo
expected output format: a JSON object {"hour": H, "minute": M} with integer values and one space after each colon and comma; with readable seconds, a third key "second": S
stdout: {"hour": 8, "minute": 33}
